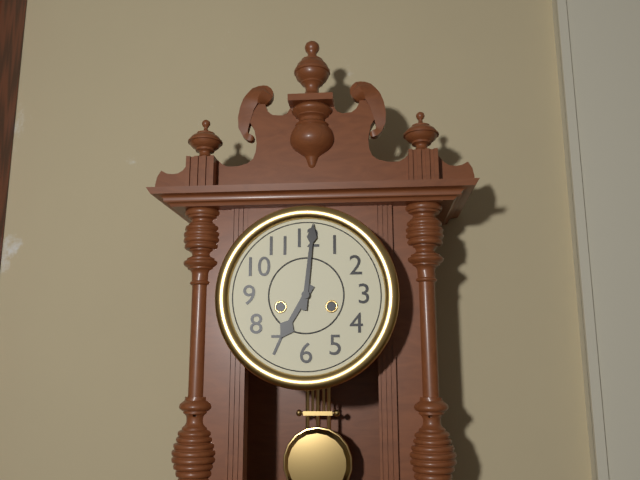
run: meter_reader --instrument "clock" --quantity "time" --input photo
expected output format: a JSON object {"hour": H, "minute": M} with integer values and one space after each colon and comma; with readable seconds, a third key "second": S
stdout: {"hour": 7, "minute": 1}
